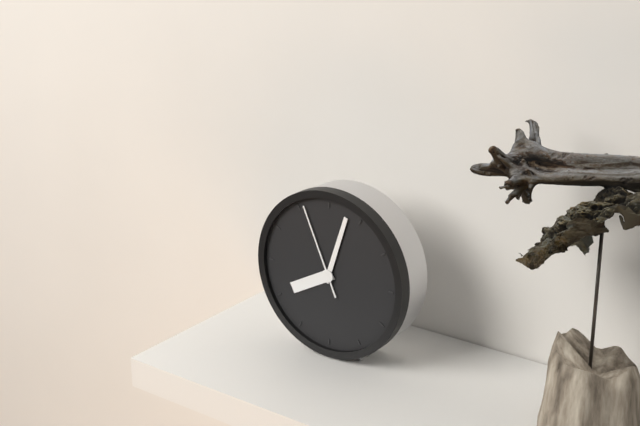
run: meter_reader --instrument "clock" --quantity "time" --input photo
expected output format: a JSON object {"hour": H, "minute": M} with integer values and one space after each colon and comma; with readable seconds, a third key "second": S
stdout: {"hour": 8, "minute": 3, "second": 56}
